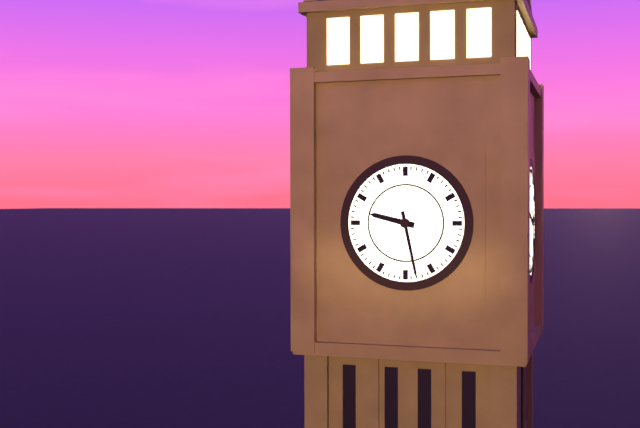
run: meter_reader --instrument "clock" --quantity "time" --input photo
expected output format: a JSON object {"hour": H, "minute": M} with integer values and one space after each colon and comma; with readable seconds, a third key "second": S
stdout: {"hour": 9, "minute": 28}
